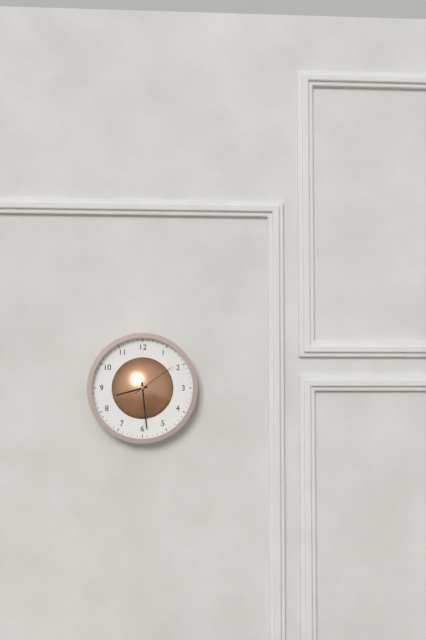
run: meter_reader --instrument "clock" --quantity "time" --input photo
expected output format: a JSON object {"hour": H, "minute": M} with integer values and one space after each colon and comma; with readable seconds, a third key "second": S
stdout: {"hour": 8, "minute": 29}
